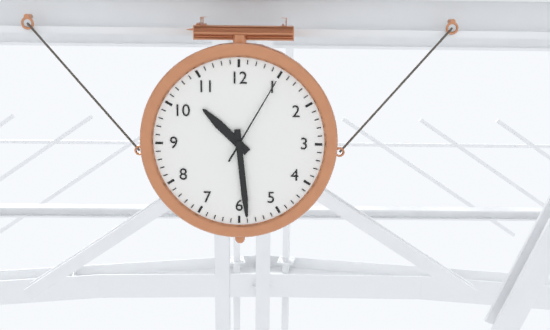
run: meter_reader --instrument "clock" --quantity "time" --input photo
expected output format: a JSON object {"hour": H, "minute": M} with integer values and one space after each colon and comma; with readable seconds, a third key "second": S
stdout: {"hour": 10, "minute": 29, "second": 5}
